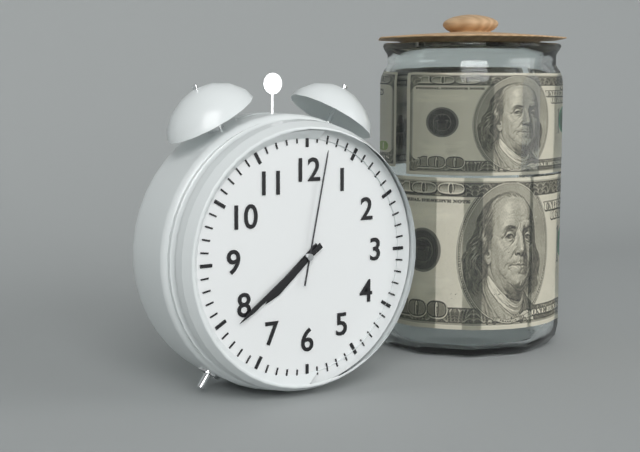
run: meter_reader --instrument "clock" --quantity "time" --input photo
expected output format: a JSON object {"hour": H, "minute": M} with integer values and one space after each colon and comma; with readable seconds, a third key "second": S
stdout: {"hour": 7, "minute": 39, "second": 2}
